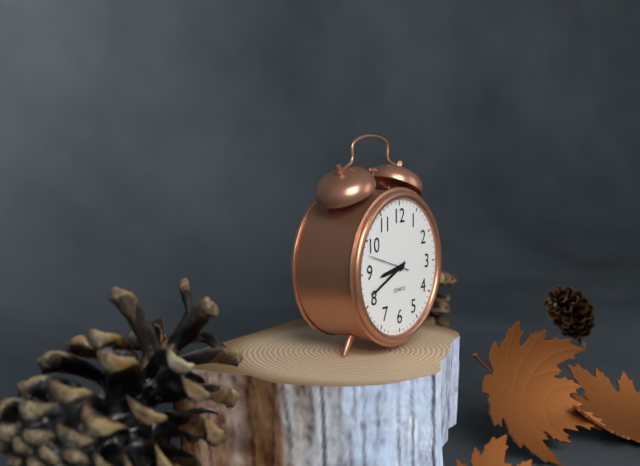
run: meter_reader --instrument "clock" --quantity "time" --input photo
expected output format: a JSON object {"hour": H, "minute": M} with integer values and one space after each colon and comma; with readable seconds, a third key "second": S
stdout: {"hour": 8, "minute": 41}
